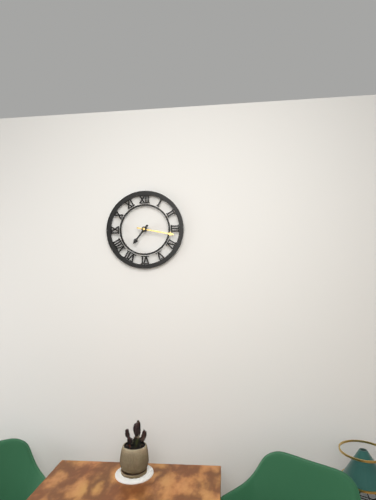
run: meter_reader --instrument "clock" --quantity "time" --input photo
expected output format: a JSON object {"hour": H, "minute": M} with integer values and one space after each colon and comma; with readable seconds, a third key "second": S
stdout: {"hour": 7, "minute": 17}
